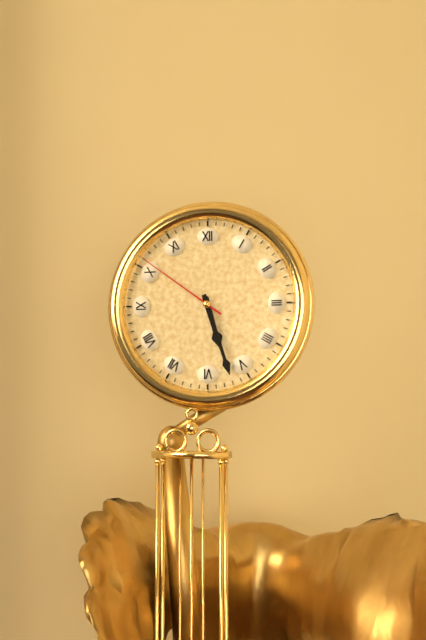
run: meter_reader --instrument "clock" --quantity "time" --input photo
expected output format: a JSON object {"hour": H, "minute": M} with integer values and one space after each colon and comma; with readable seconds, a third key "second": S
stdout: {"hour": 5, "minute": 27, "second": 51}
